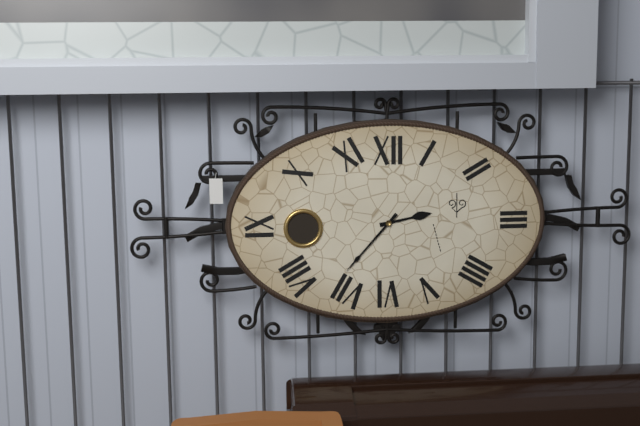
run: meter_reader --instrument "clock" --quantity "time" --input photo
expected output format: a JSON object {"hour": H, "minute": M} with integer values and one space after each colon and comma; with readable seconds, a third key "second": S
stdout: {"hour": 2, "minute": 37}
